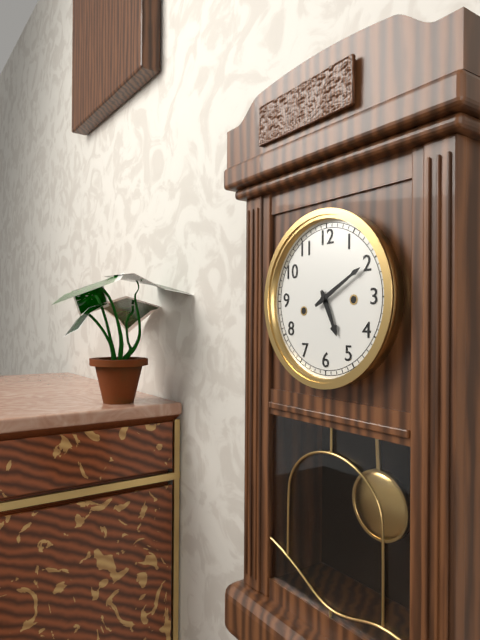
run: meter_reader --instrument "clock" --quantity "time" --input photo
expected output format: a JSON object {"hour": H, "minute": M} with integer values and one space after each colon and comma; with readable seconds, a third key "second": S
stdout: {"hour": 5, "minute": 10}
